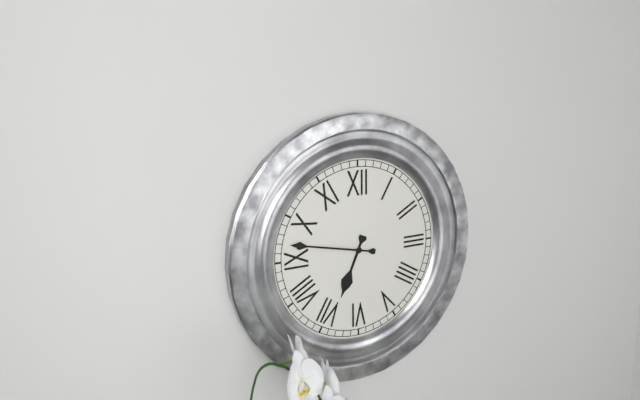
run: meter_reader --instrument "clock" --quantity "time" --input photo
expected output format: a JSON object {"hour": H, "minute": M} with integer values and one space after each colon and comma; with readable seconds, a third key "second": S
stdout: {"hour": 6, "minute": 47}
